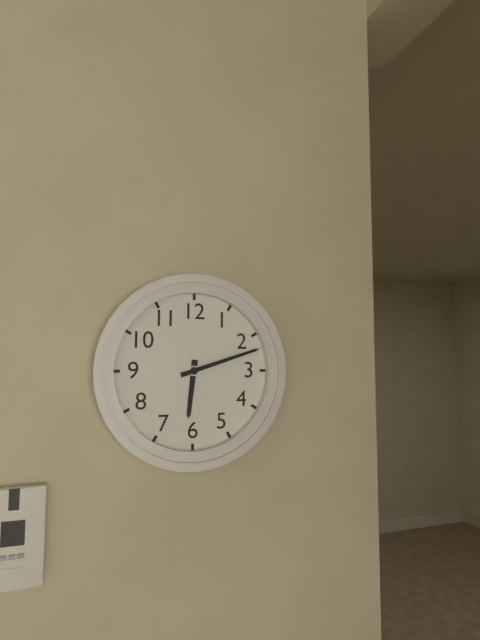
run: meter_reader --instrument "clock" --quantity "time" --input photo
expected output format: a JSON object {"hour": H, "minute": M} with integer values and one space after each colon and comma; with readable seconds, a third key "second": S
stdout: {"hour": 6, "minute": 12}
